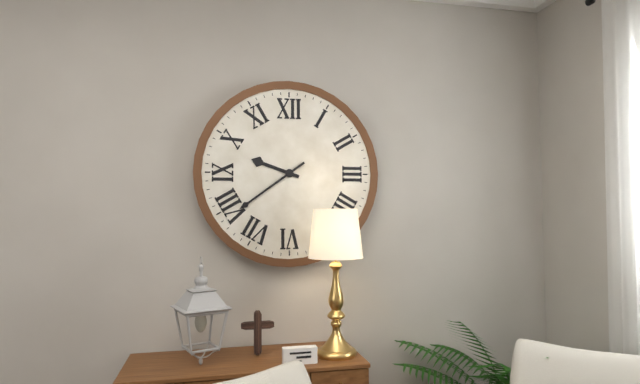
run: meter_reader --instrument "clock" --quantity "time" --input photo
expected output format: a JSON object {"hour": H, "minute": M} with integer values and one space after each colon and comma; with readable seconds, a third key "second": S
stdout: {"hour": 9, "minute": 39}
